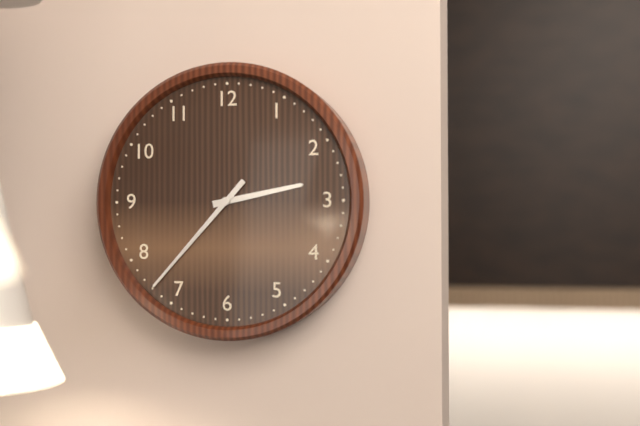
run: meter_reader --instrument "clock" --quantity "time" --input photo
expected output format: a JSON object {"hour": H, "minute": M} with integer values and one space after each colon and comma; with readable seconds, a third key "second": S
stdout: {"hour": 2, "minute": 37}
